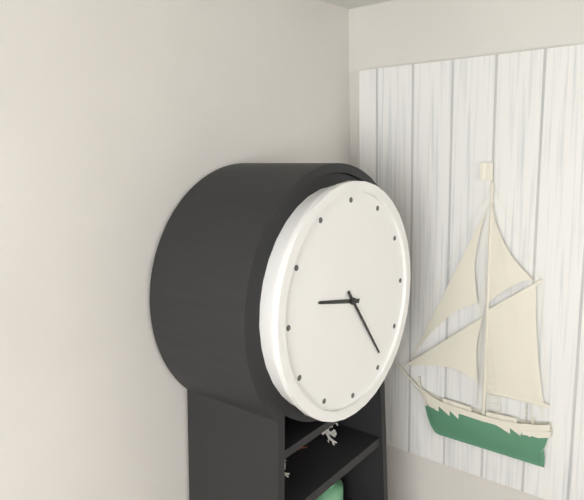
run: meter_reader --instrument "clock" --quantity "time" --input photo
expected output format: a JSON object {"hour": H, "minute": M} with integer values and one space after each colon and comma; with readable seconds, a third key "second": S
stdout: {"hour": 9, "minute": 24}
